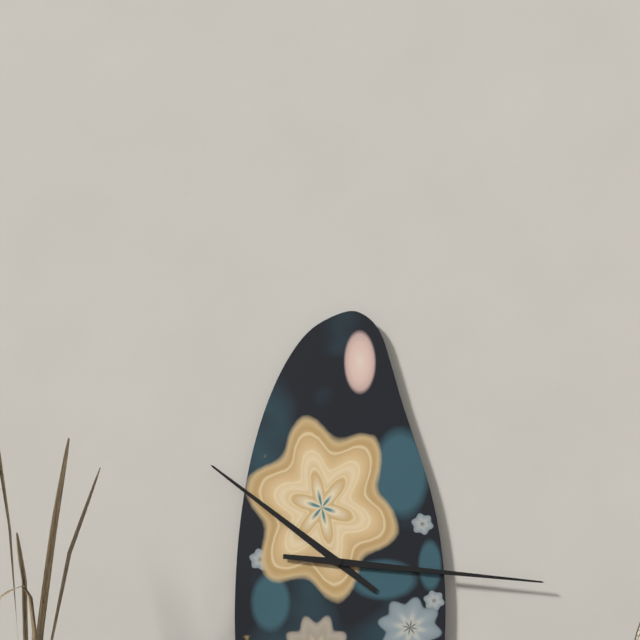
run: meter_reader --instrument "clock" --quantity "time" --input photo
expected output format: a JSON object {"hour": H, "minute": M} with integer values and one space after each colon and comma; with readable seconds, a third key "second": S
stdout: {"hour": 10, "minute": 16}
